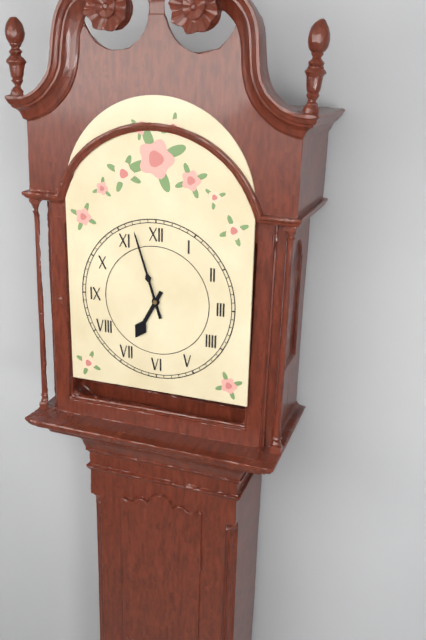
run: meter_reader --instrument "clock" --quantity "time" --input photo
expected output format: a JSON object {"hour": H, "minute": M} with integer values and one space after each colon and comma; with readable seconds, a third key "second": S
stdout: {"hour": 6, "minute": 57}
